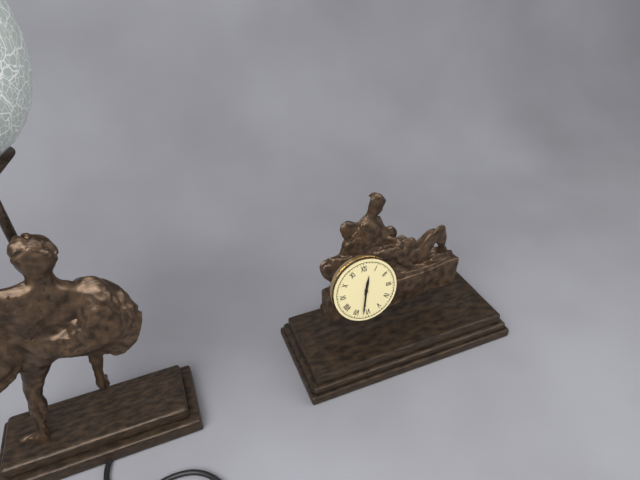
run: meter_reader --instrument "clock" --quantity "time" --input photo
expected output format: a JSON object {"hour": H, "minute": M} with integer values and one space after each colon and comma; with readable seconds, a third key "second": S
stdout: {"hour": 12, "minute": 32}
